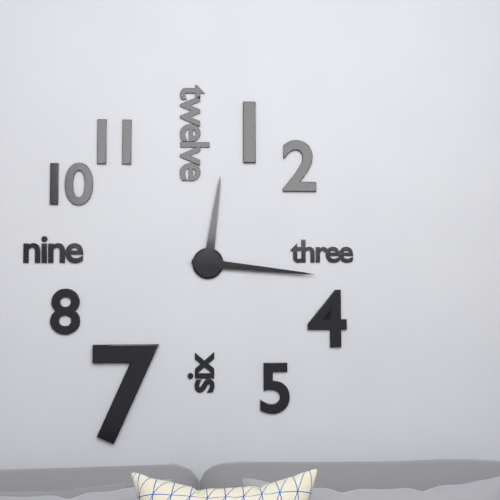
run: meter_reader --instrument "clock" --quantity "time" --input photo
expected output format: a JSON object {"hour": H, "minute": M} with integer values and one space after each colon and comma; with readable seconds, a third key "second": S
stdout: {"hour": 12, "minute": 16}
